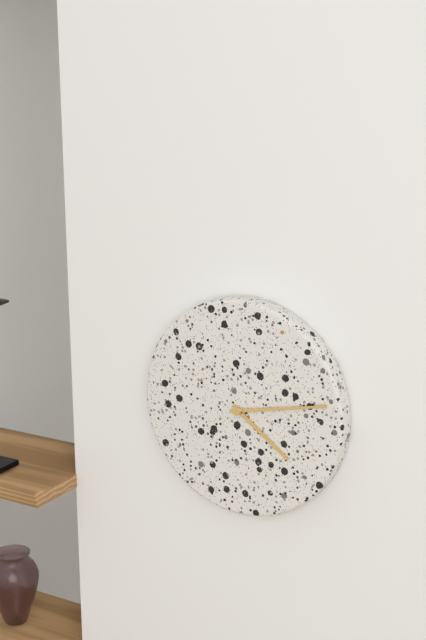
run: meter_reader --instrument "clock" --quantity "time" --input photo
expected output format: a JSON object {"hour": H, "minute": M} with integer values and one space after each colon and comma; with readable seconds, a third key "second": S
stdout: {"hour": 4, "minute": 13}
